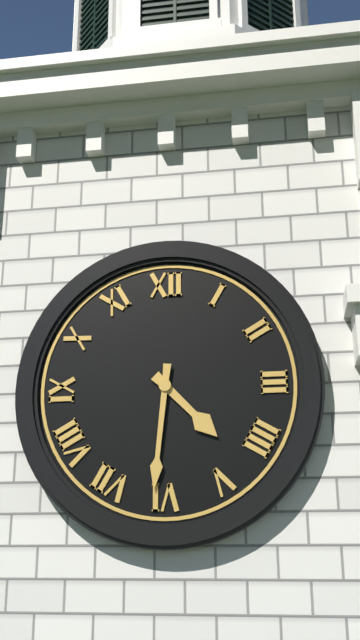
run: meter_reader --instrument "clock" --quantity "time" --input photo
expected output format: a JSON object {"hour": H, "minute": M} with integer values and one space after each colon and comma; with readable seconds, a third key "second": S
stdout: {"hour": 4, "minute": 31}
